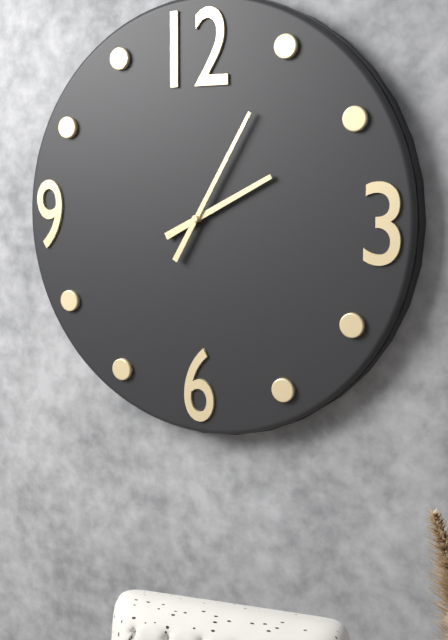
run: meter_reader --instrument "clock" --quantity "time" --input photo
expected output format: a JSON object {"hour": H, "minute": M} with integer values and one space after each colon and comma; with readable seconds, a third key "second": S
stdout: {"hour": 2, "minute": 5}
